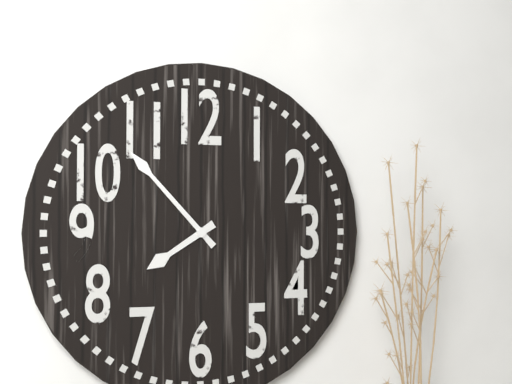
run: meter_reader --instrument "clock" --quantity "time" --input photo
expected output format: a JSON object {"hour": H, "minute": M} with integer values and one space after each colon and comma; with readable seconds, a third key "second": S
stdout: {"hour": 7, "minute": 53}
